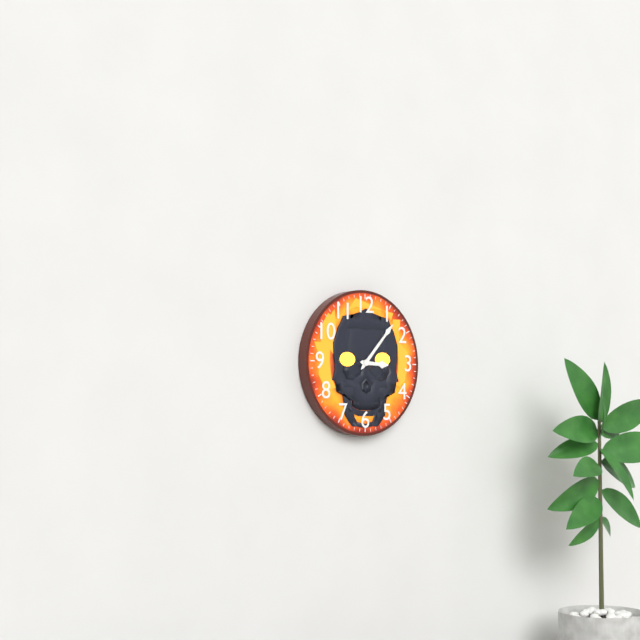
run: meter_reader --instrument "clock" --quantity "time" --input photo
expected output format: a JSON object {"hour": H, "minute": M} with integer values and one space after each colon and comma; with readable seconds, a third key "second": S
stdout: {"hour": 3, "minute": 7}
